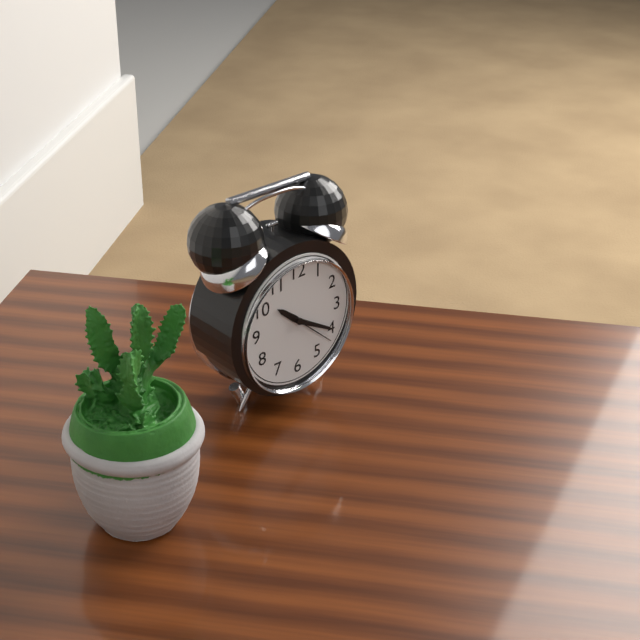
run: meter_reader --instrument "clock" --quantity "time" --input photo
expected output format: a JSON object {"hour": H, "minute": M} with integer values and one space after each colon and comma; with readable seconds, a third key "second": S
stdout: {"hour": 10, "minute": 20}
